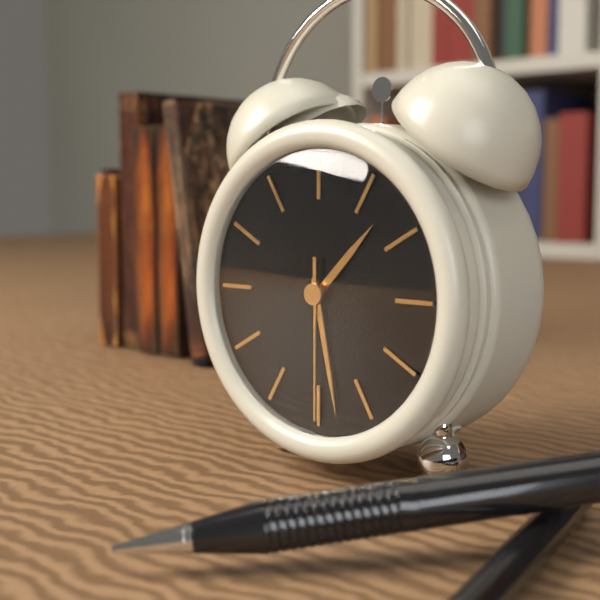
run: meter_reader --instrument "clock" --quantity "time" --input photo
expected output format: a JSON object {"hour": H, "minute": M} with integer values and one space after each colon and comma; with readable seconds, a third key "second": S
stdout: {"hour": 1, "minute": 28, "second": 30}
